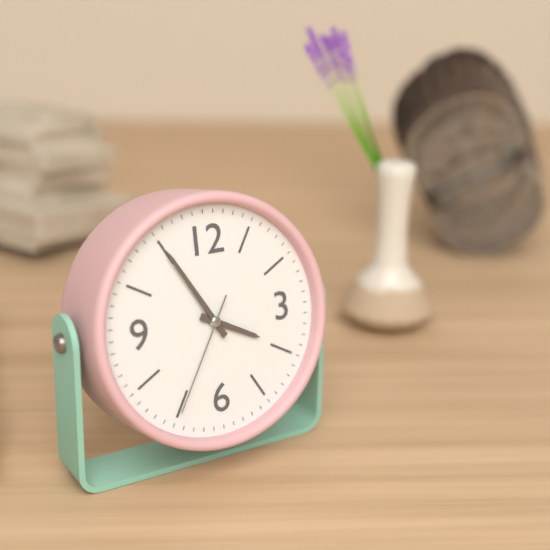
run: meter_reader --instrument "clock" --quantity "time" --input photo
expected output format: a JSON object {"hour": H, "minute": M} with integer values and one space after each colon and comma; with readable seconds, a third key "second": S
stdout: {"hour": 3, "minute": 55, "second": 35}
